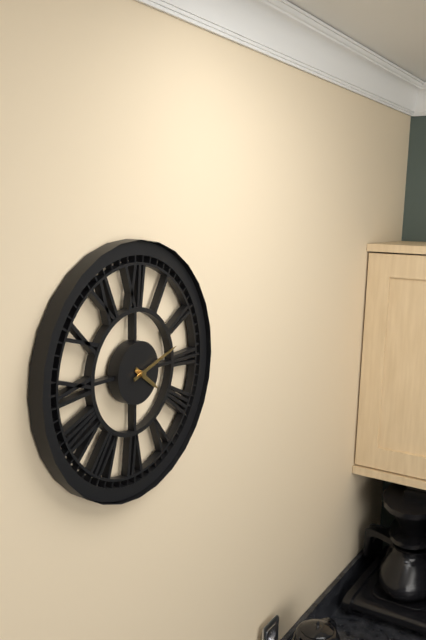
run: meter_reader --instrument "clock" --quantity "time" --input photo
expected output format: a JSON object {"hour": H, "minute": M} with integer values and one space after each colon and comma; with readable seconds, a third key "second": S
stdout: {"hour": 4, "minute": 12}
